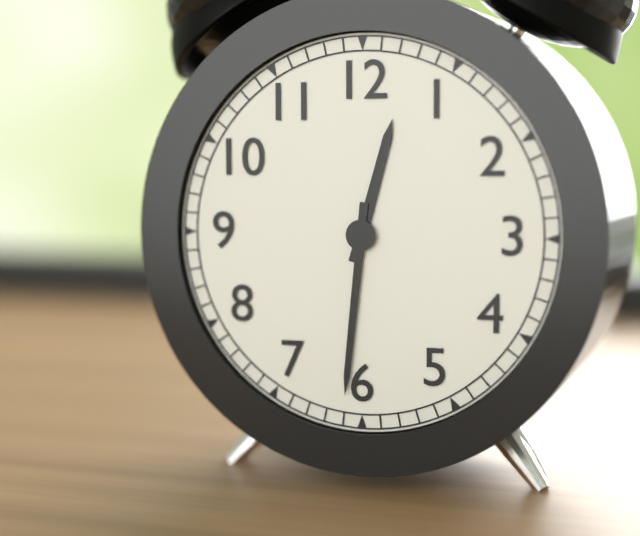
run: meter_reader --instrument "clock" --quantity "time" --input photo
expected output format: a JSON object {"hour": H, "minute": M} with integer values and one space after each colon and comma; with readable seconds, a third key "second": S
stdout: {"hour": 12, "minute": 31}
